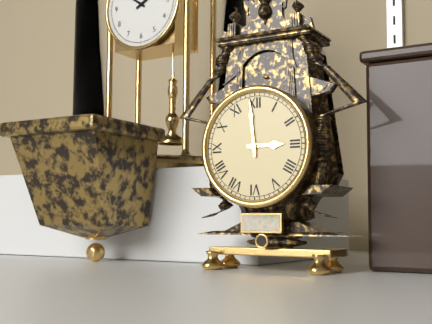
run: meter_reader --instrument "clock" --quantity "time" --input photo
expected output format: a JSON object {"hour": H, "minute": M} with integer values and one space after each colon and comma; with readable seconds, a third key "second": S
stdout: {"hour": 2, "minute": 59}
